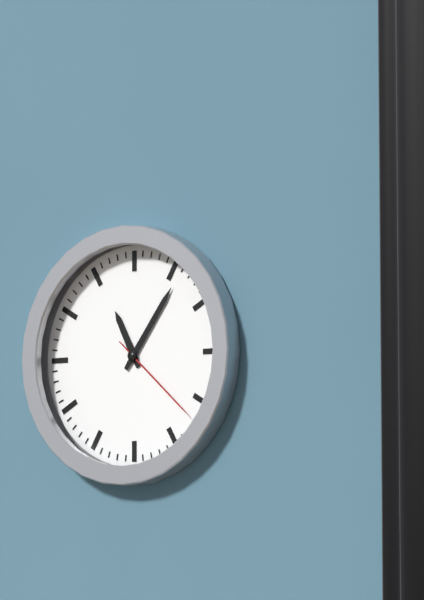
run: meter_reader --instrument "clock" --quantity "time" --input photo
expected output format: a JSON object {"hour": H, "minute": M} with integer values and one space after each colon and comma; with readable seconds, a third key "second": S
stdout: {"hour": 11, "minute": 6, "second": 22}
